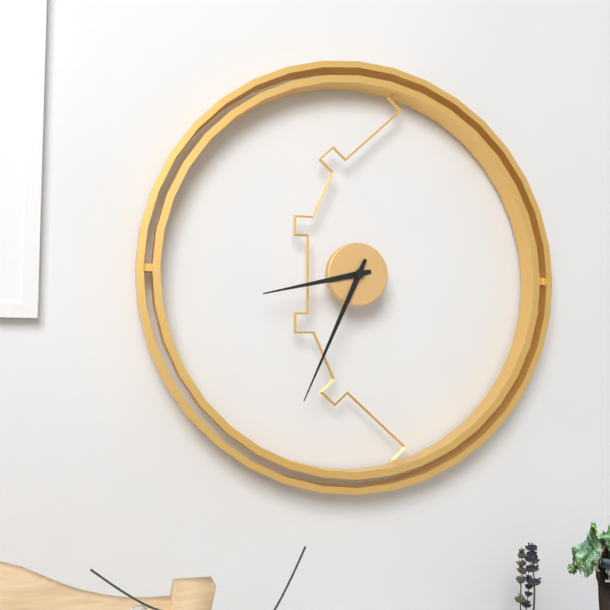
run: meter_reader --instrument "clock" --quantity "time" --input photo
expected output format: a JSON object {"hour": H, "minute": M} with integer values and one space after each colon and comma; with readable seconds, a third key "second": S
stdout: {"hour": 8, "minute": 34}
